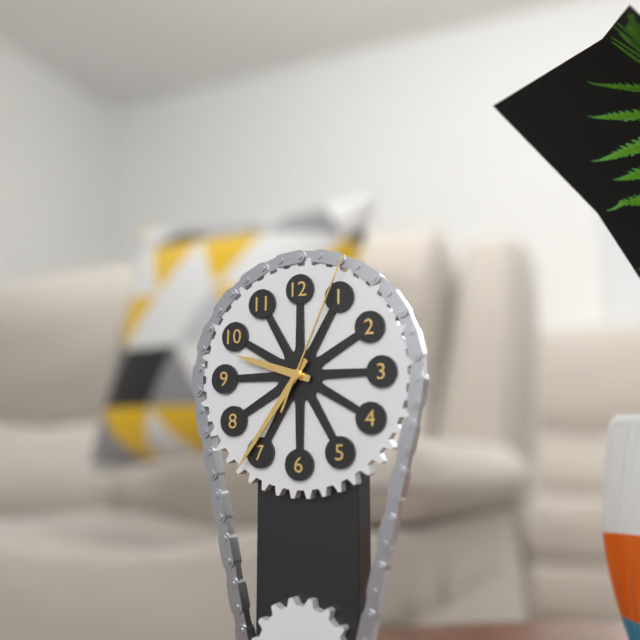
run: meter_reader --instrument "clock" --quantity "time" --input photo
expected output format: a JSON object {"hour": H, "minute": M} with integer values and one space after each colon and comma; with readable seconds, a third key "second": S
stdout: {"hour": 9, "minute": 36, "second": 4}
